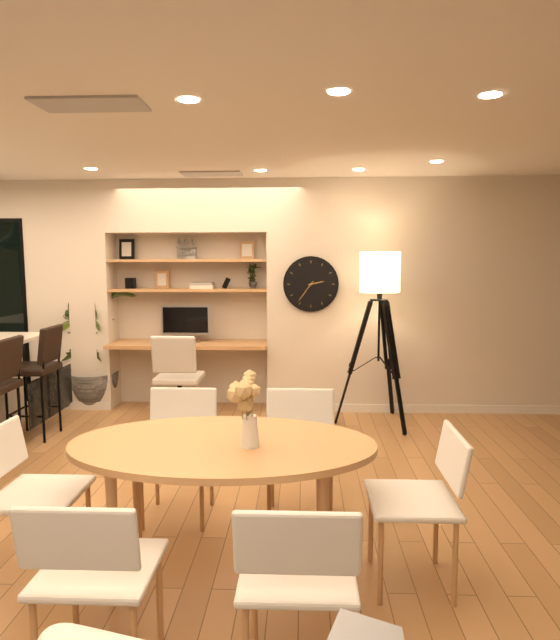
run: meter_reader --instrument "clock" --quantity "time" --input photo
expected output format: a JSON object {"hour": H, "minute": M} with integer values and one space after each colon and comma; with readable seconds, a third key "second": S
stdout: {"hour": 2, "minute": 36}
